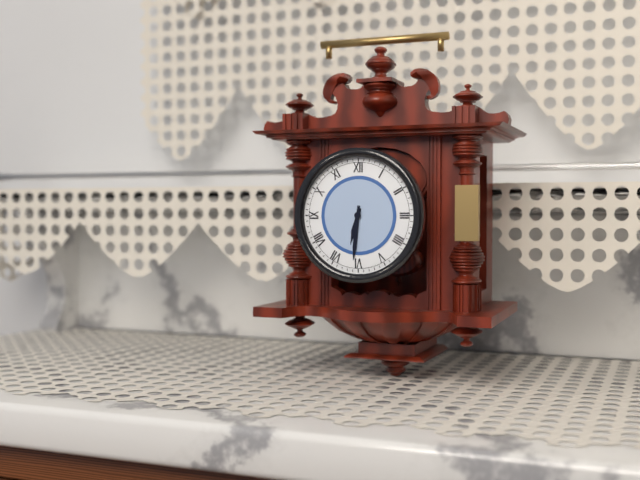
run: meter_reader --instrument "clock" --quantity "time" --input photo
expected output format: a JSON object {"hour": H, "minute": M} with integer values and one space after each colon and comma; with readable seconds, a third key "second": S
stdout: {"hour": 6, "minute": 31}
